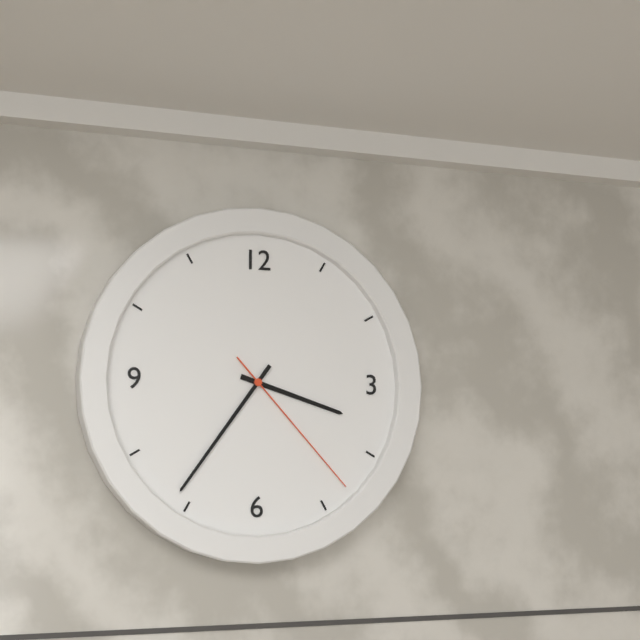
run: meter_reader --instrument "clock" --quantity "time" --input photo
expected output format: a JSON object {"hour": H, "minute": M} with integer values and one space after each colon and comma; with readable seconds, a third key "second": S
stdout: {"hour": 3, "minute": 36, "second": 23}
